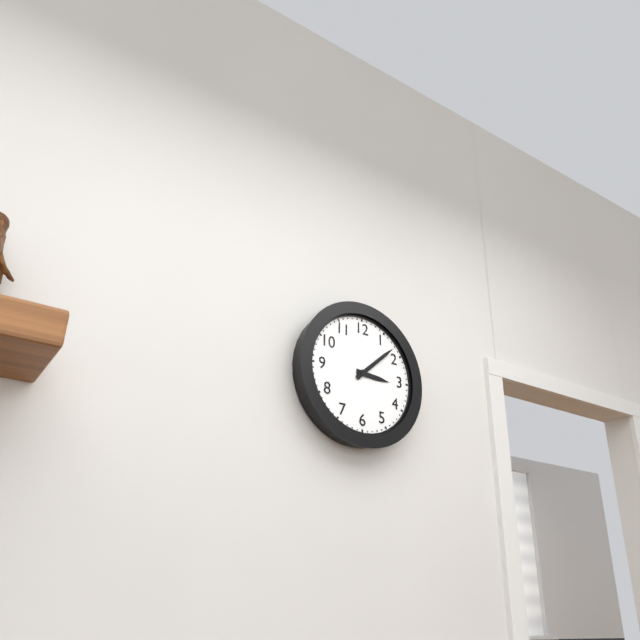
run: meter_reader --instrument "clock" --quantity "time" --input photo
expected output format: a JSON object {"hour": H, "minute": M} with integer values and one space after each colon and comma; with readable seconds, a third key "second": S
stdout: {"hour": 3, "minute": 8}
